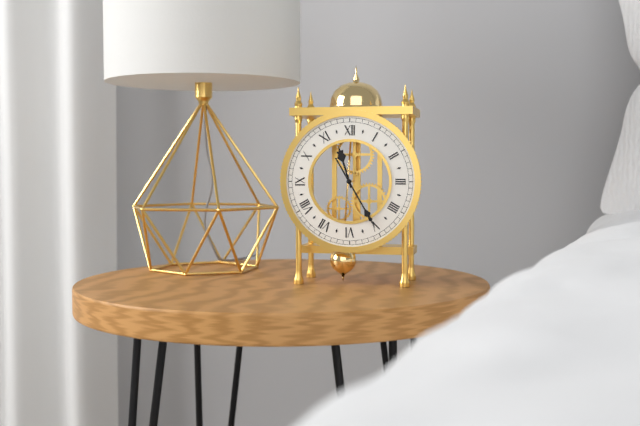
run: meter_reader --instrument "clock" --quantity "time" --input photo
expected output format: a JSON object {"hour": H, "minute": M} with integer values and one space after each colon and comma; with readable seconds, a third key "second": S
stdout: {"hour": 11, "minute": 25}
